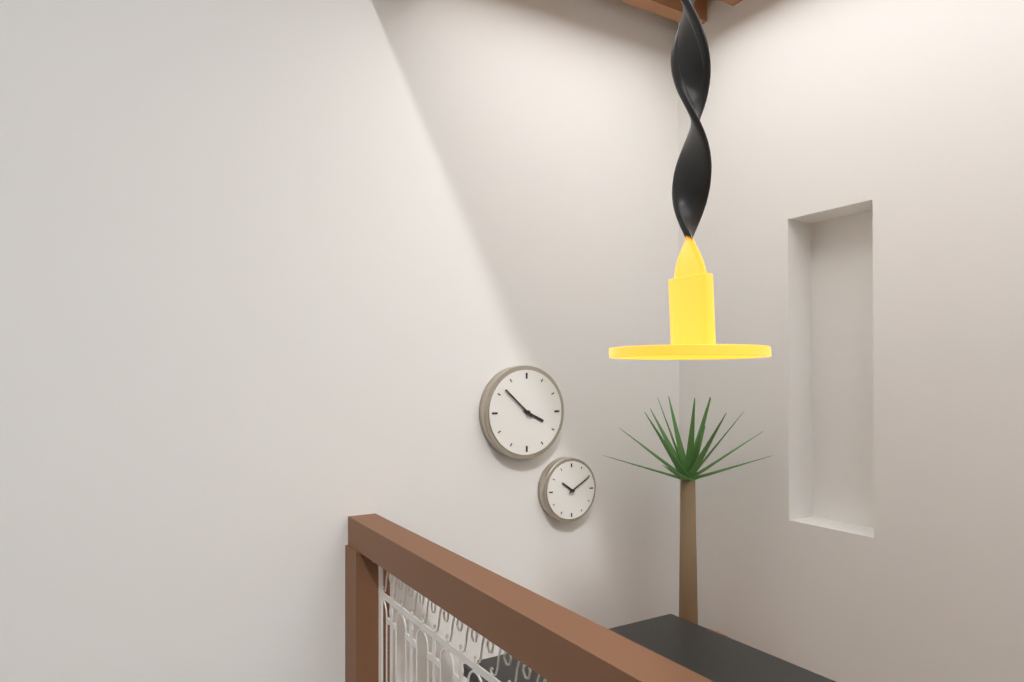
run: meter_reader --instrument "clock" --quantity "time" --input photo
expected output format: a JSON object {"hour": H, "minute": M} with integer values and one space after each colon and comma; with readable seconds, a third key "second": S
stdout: {"hour": 3, "minute": 52}
